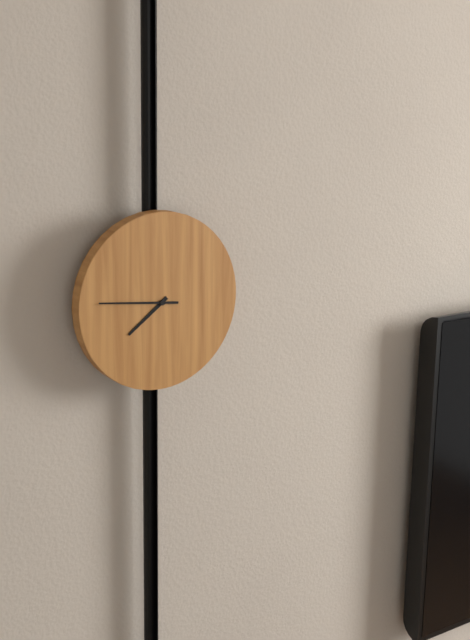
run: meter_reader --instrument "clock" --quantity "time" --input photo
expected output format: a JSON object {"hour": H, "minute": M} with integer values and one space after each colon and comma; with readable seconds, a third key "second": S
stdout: {"hour": 7, "minute": 46}
